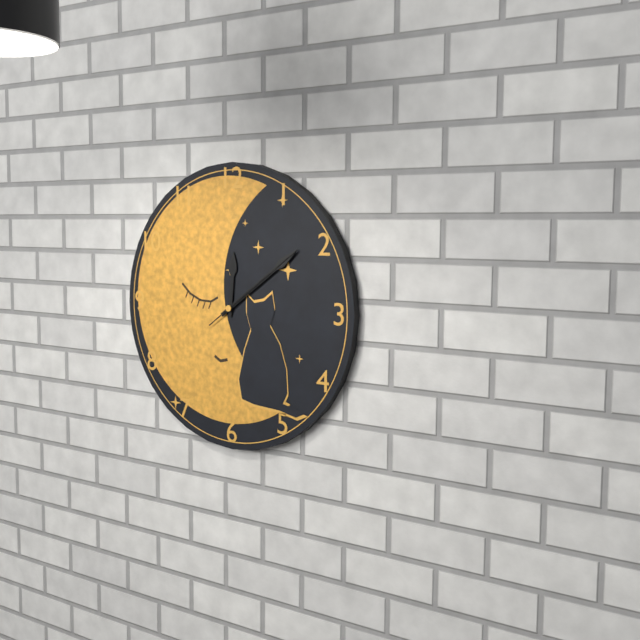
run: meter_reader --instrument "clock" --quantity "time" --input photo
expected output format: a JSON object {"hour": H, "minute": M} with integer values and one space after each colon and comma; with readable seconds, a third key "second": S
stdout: {"hour": 12, "minute": 9, "second": 9}
